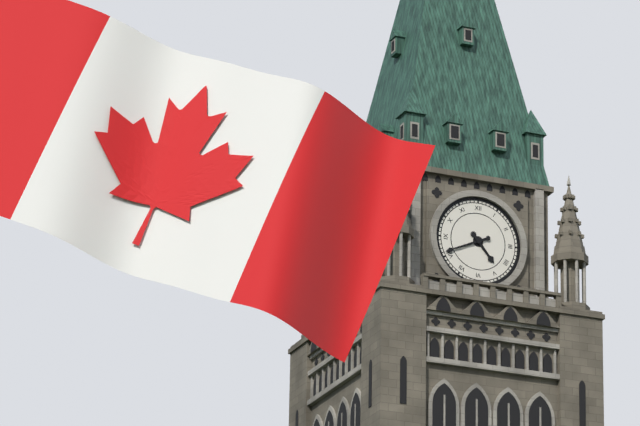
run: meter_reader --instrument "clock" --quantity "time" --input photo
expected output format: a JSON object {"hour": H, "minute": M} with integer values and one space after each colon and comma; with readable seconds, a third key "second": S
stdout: {"hour": 4, "minute": 41}
